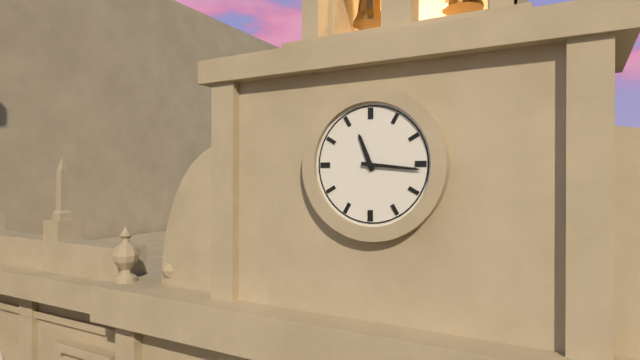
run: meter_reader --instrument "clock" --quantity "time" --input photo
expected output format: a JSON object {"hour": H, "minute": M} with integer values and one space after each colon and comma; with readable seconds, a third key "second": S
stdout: {"hour": 11, "minute": 16}
